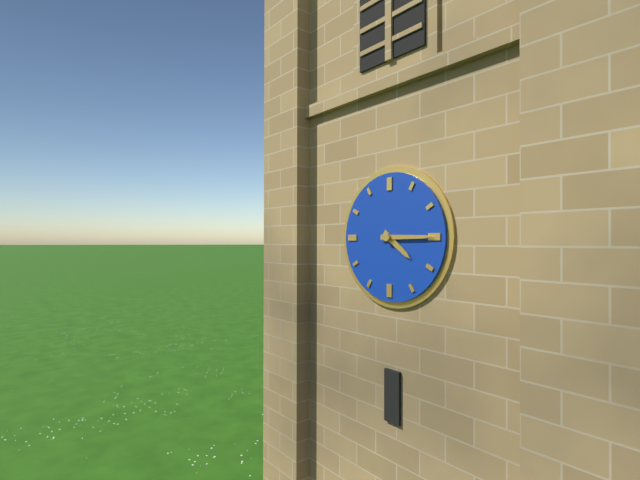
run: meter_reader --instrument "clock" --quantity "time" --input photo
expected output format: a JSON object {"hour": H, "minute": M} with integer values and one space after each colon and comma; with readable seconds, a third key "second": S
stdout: {"hour": 4, "minute": 15}
